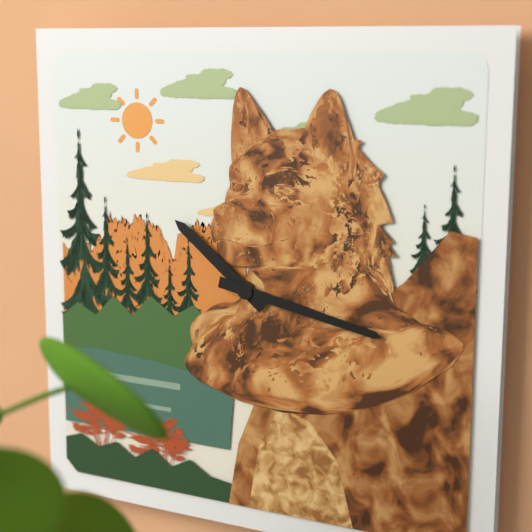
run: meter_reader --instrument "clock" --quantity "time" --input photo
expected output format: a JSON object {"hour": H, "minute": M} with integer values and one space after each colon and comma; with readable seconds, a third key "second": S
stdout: {"hour": 10, "minute": 17}
